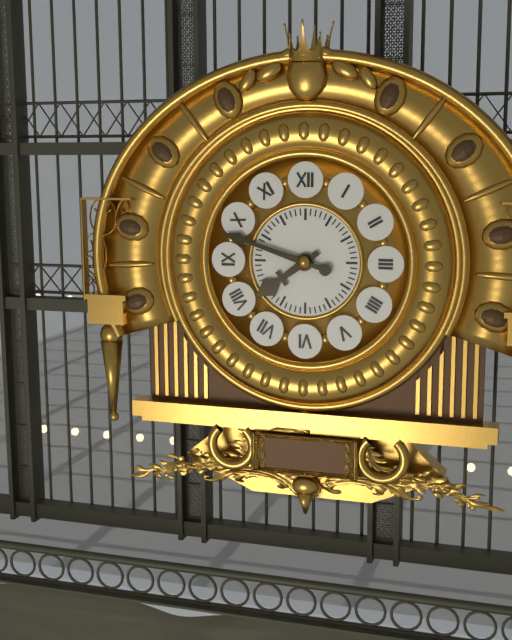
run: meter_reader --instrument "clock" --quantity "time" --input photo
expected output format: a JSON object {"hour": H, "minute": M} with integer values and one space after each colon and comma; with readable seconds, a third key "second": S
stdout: {"hour": 7, "minute": 48}
